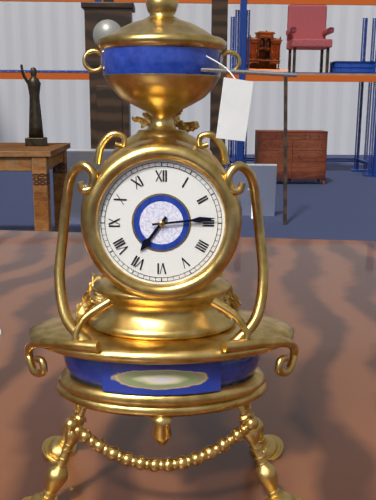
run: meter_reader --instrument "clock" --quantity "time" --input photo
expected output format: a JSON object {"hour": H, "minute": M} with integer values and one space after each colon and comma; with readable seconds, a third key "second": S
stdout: {"hour": 7, "minute": 14}
